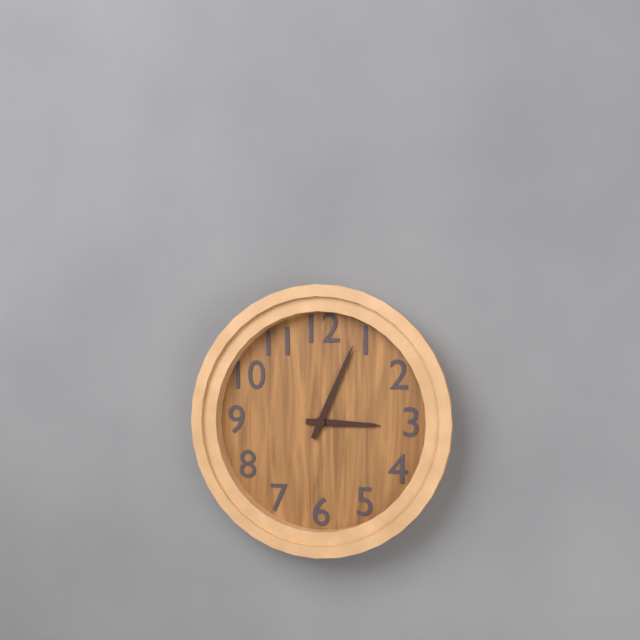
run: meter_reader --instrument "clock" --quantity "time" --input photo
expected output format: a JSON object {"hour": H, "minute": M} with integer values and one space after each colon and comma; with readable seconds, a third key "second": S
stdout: {"hour": 3, "minute": 4}
